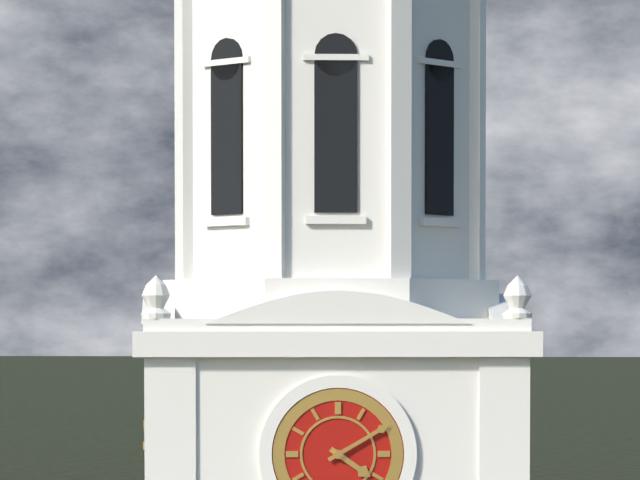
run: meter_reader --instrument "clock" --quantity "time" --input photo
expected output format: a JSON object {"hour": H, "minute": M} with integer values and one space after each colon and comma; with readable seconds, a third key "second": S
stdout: {"hour": 4, "minute": 10}
